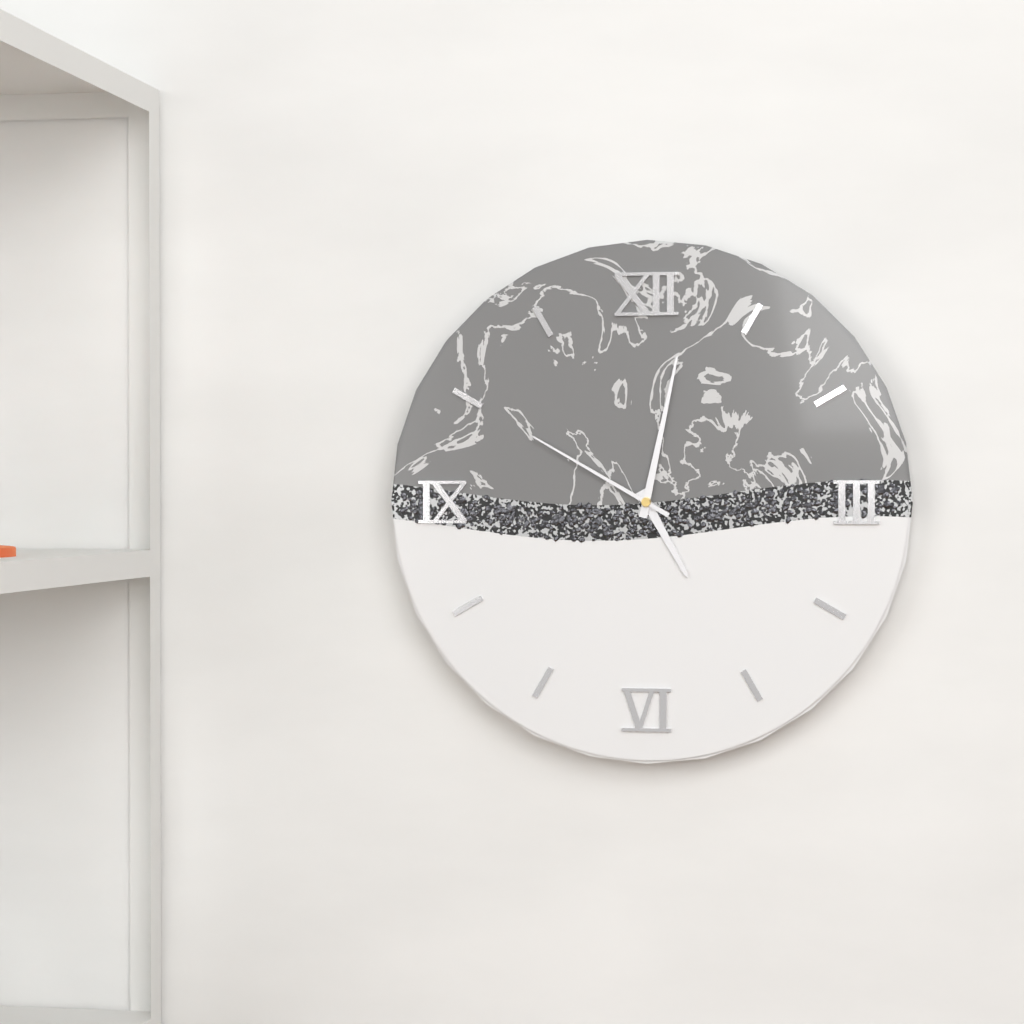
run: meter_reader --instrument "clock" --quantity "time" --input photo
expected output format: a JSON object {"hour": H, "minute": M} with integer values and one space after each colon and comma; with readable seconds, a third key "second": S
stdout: {"hour": 5, "minute": 2, "second": 50}
